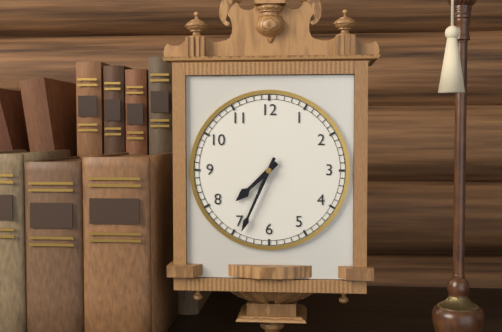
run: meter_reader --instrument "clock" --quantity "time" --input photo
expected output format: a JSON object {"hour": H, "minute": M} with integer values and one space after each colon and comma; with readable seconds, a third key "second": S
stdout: {"hour": 7, "minute": 34}
